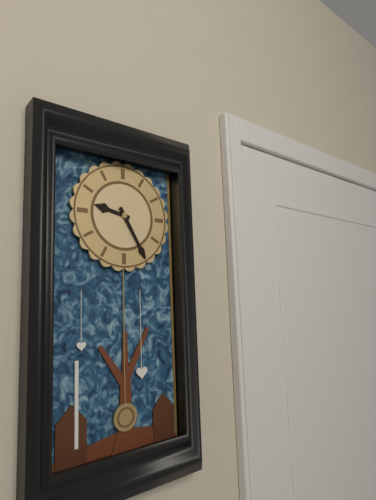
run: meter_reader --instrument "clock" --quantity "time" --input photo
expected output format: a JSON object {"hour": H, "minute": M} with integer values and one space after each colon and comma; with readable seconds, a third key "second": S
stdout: {"hour": 9, "minute": 25}
